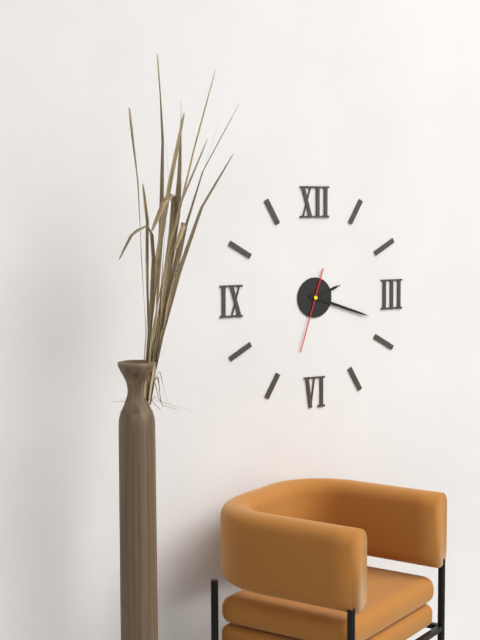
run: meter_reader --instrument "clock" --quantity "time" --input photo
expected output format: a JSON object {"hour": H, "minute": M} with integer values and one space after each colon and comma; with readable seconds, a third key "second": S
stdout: {"hour": 2, "minute": 18, "second": 33}
